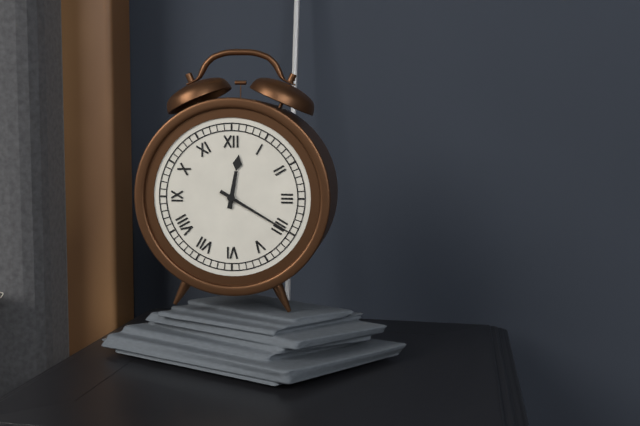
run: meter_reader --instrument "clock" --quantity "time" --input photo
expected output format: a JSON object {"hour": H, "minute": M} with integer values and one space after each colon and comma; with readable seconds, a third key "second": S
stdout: {"hour": 12, "minute": 20}
